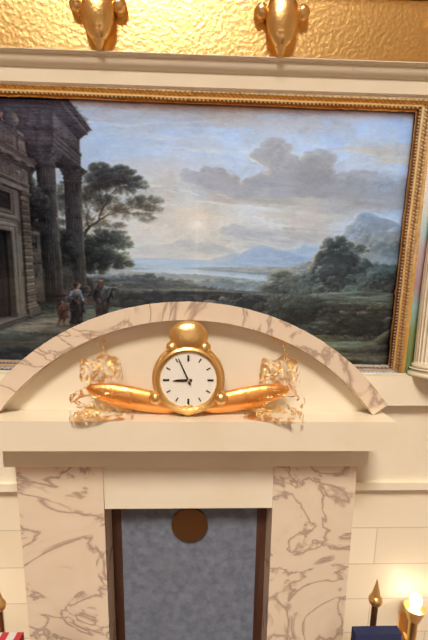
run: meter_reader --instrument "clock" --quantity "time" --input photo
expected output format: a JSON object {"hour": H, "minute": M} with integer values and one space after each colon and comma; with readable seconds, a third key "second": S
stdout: {"hour": 8, "minute": 56}
